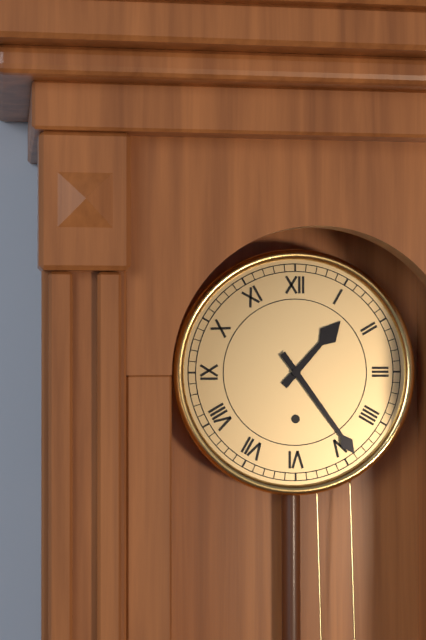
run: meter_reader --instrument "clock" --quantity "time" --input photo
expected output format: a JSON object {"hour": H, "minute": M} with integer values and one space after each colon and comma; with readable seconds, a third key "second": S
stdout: {"hour": 1, "minute": 24}
